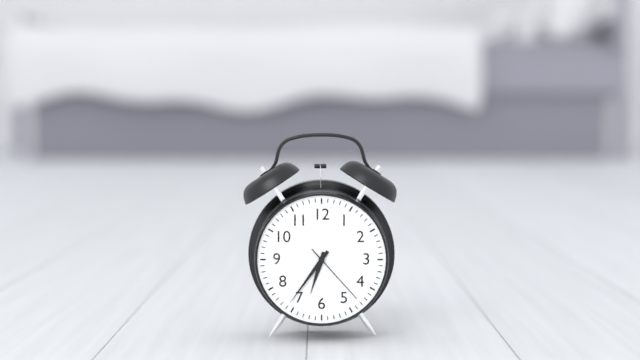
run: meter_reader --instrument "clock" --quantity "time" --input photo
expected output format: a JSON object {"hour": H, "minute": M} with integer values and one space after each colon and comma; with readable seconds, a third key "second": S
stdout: {"hour": 6, "minute": 36, "second": 23}
